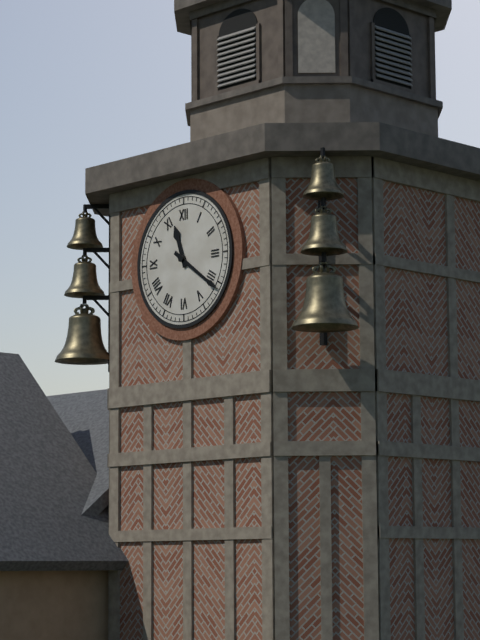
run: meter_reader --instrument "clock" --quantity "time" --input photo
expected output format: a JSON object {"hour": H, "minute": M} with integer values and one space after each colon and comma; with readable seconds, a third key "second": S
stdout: {"hour": 11, "minute": 21}
